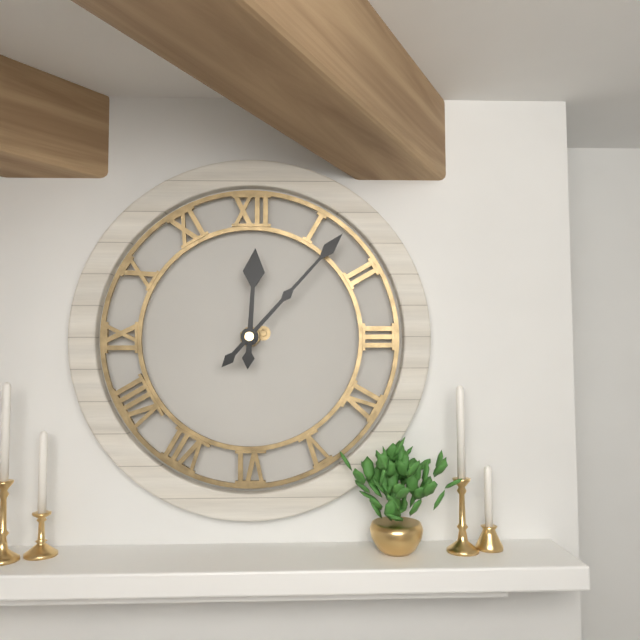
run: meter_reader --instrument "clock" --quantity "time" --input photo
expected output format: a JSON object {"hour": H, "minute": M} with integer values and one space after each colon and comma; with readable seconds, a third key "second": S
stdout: {"hour": 12, "minute": 7}
